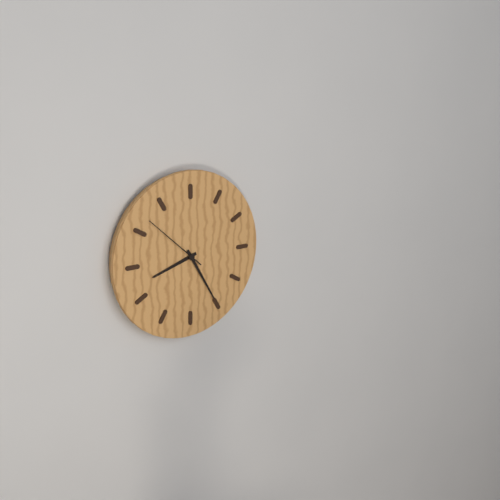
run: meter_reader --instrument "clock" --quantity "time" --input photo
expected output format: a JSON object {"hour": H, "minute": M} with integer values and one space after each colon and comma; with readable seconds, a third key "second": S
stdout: {"hour": 8, "minute": 25, "second": 52}
